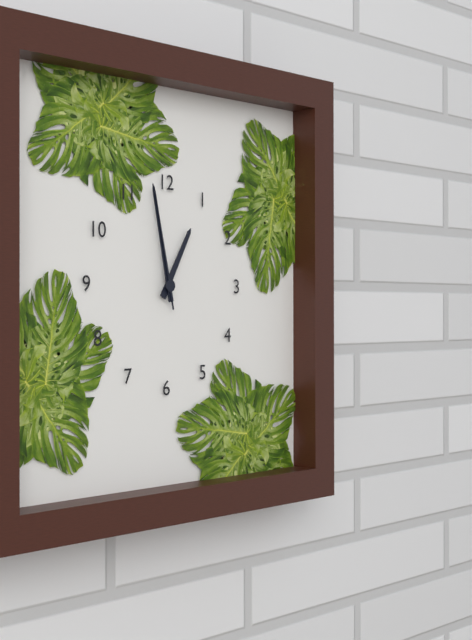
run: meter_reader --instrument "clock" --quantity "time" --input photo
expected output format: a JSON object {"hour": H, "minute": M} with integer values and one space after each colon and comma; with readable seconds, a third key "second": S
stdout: {"hour": 12, "minute": 58, "second": 58}
